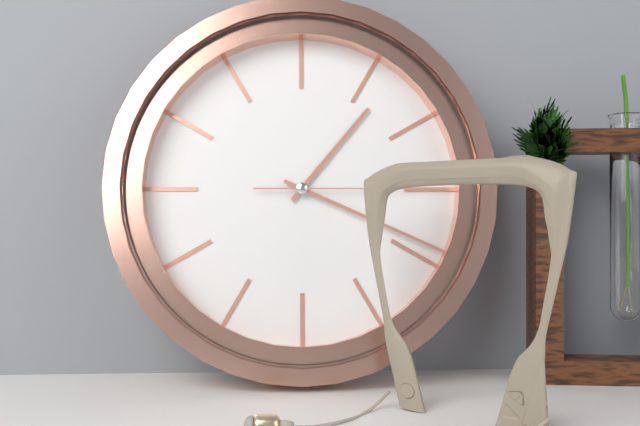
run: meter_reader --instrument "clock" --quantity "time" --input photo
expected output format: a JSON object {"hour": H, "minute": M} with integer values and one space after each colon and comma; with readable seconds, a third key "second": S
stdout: {"hour": 1, "minute": 19, "second": 15}
